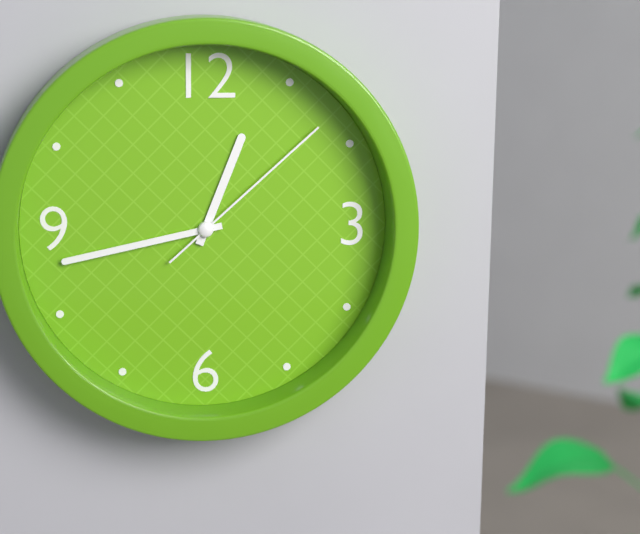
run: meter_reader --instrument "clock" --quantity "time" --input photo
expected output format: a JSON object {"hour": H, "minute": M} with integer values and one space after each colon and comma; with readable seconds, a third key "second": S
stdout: {"hour": 12, "minute": 43, "second": 8}
